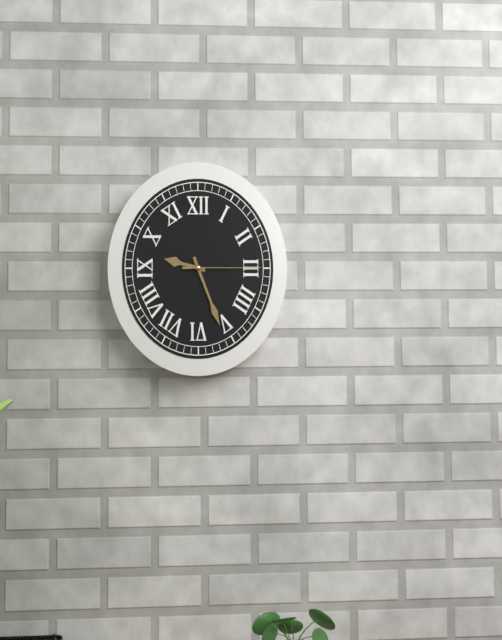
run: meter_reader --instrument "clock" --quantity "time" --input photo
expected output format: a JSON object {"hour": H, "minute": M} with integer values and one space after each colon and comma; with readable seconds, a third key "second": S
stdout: {"hour": 9, "minute": 26, "second": 15}
